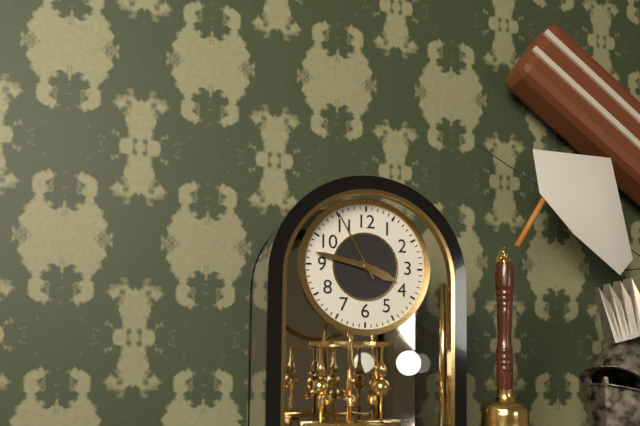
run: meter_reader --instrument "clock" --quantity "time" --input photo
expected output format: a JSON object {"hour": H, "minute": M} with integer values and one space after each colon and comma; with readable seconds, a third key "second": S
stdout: {"hour": 3, "minute": 47, "second": 55}
